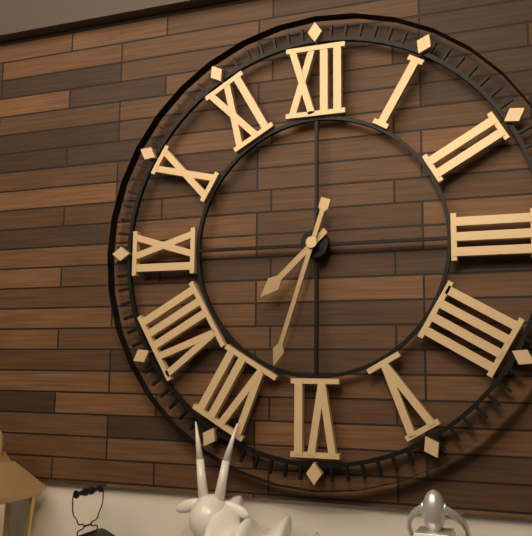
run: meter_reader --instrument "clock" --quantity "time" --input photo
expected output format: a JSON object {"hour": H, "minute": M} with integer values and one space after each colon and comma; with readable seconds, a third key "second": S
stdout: {"hour": 7, "minute": 33}
